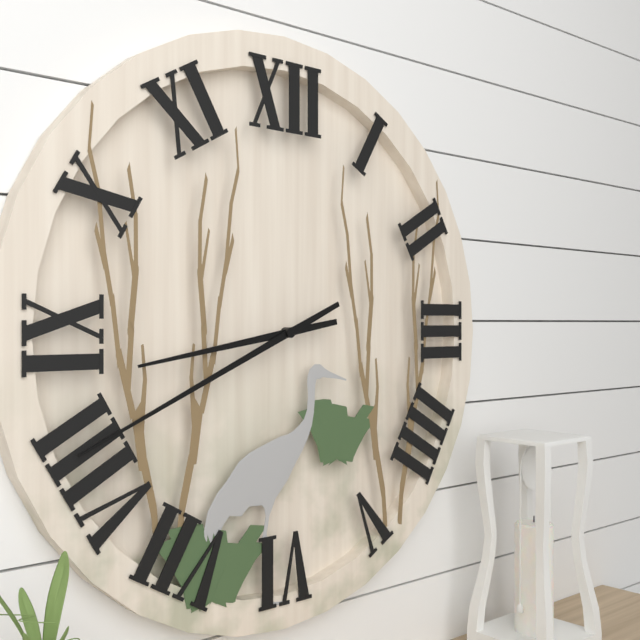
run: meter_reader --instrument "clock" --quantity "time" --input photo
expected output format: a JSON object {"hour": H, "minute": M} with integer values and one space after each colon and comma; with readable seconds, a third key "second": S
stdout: {"hour": 8, "minute": 41}
